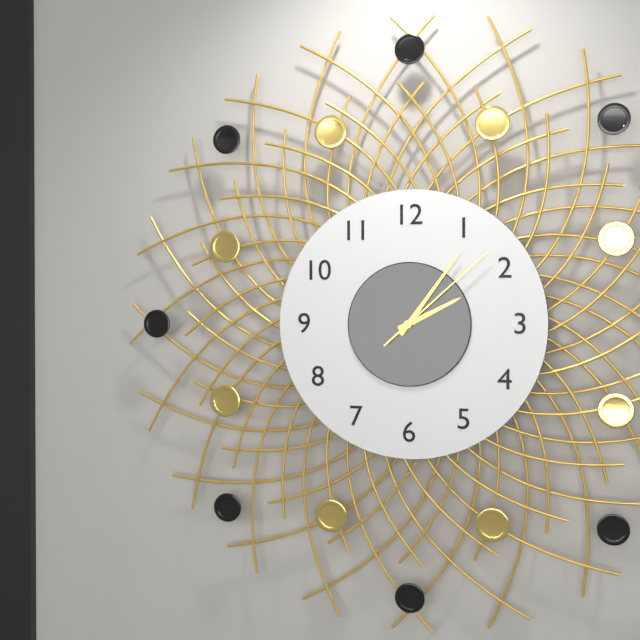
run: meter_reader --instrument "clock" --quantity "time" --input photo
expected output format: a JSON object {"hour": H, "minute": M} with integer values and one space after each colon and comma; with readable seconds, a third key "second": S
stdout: {"hour": 2, "minute": 6, "second": 8}
